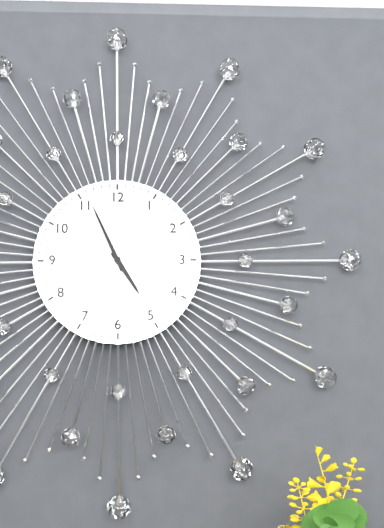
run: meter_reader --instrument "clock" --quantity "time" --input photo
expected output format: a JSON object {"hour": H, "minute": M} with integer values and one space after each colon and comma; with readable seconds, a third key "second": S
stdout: {"hour": 4, "minute": 56}
